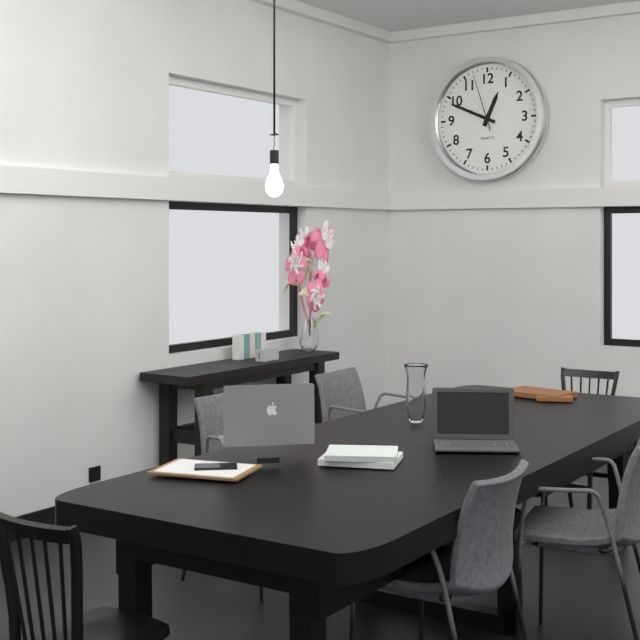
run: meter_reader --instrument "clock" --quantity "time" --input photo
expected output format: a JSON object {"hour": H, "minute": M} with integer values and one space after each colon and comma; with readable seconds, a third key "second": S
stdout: {"hour": 12, "minute": 49, "second": 57}
